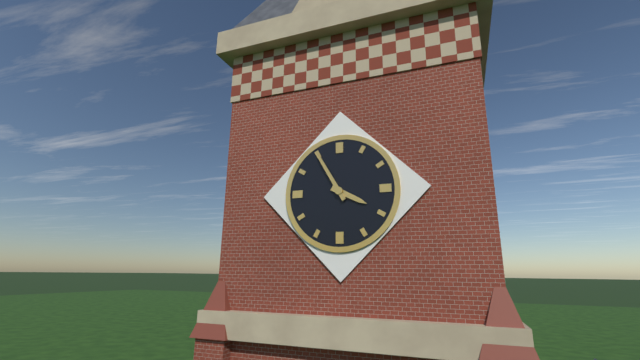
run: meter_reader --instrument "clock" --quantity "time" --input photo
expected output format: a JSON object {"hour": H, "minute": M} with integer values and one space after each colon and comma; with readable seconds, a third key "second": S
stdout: {"hour": 3, "minute": 55}
